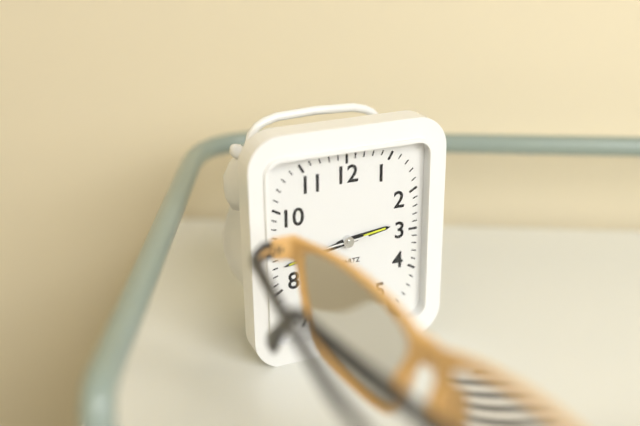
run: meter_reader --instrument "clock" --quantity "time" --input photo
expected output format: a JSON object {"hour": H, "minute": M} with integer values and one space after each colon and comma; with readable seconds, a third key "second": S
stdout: {"hour": 2, "minute": 43}
